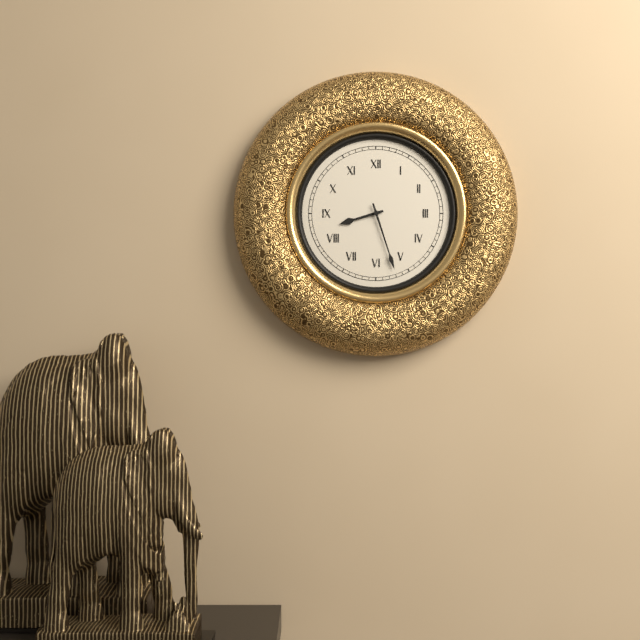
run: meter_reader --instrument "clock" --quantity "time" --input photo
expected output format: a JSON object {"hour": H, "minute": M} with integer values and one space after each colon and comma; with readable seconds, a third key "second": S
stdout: {"hour": 8, "minute": 27}
